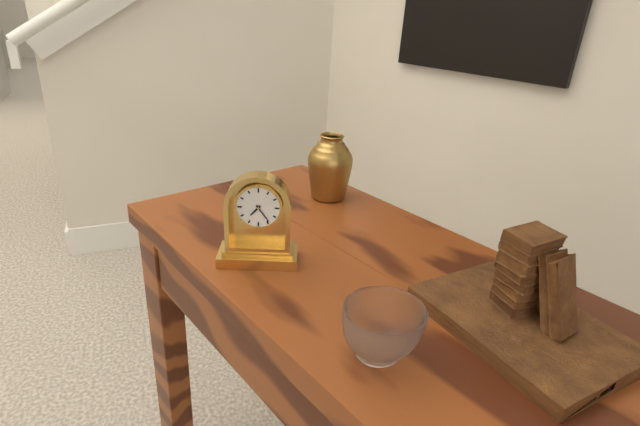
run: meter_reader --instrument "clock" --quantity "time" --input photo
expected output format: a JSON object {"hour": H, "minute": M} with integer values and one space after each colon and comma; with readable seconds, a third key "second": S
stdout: {"hour": 7, "minute": 24}
